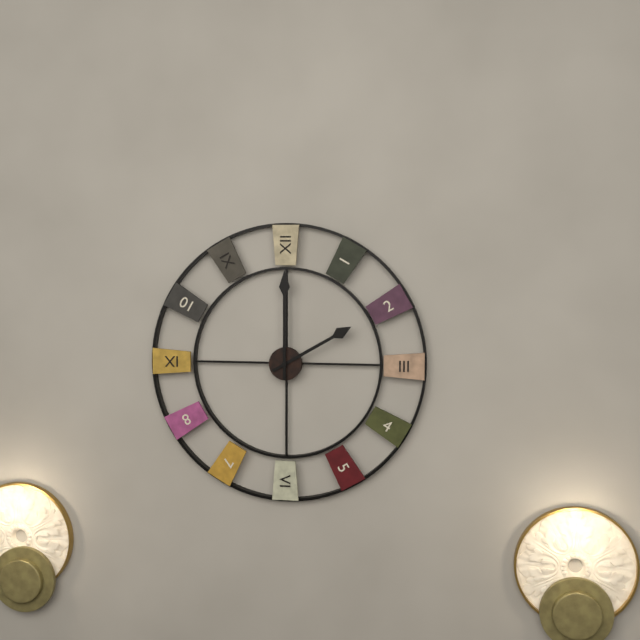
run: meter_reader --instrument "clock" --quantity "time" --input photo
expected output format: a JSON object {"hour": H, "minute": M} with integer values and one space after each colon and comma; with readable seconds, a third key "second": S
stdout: {"hour": 2, "minute": 0}
